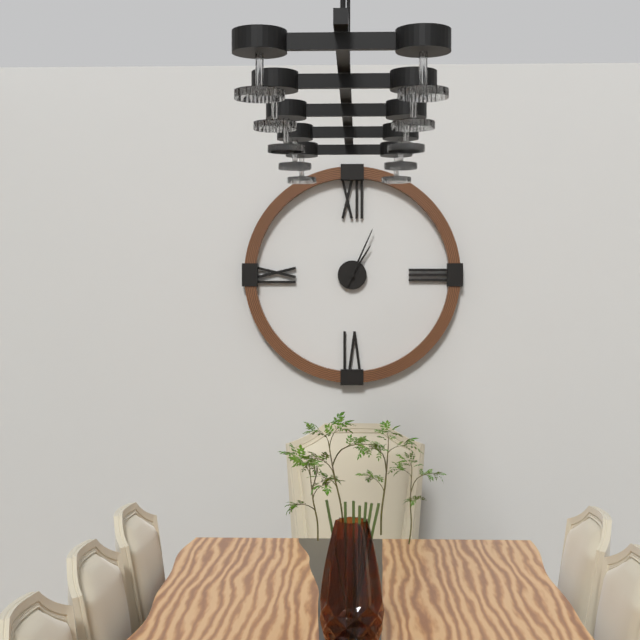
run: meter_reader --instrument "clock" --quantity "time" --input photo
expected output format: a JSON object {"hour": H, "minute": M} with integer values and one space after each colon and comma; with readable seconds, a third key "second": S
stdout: {"hour": 1, "minute": 4}
